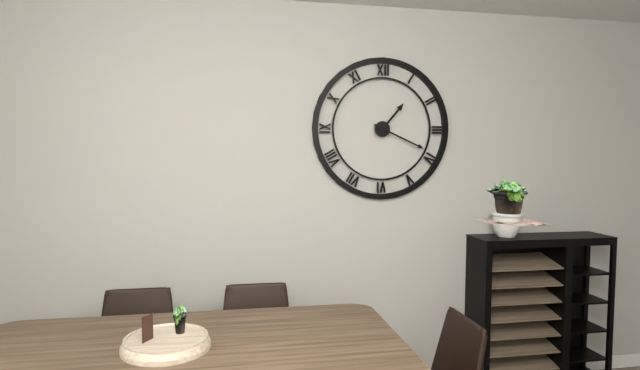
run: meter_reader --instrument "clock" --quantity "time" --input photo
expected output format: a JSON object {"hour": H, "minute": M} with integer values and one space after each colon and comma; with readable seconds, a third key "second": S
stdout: {"hour": 1, "minute": 19}
